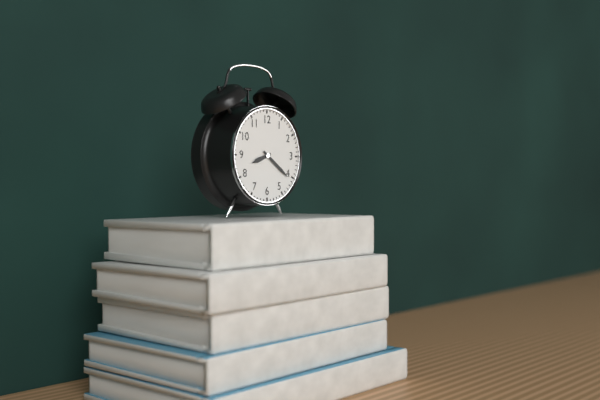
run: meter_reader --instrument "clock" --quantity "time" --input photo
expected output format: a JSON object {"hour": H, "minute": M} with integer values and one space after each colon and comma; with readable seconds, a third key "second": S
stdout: {"hour": 8, "minute": 21}
